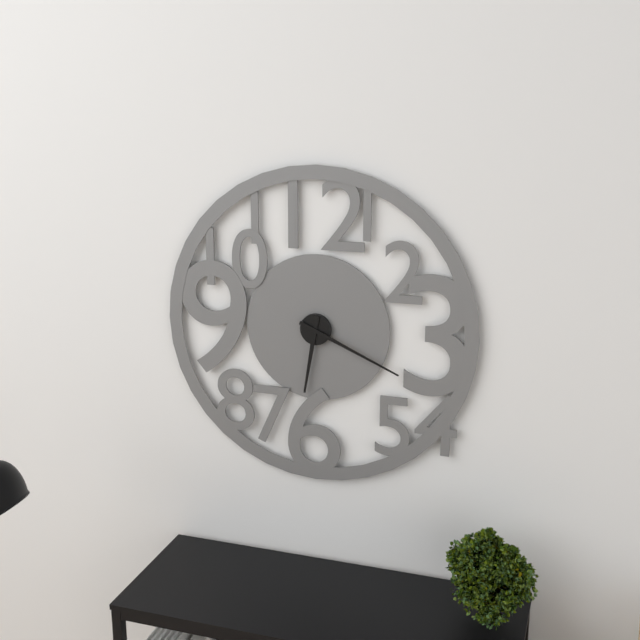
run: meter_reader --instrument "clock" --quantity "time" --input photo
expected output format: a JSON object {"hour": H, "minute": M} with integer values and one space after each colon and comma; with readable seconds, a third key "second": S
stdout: {"hour": 6, "minute": 19}
